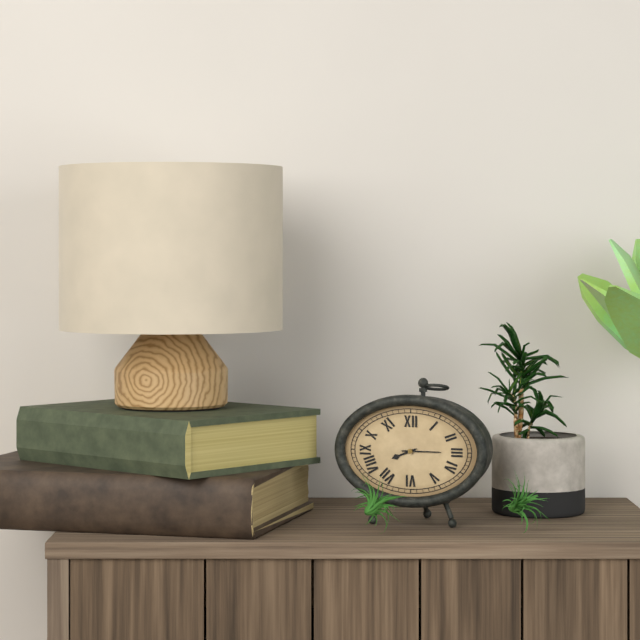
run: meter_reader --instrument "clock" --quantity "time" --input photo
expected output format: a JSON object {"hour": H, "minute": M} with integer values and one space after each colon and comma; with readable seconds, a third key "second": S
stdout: {"hour": 8, "minute": 15}
